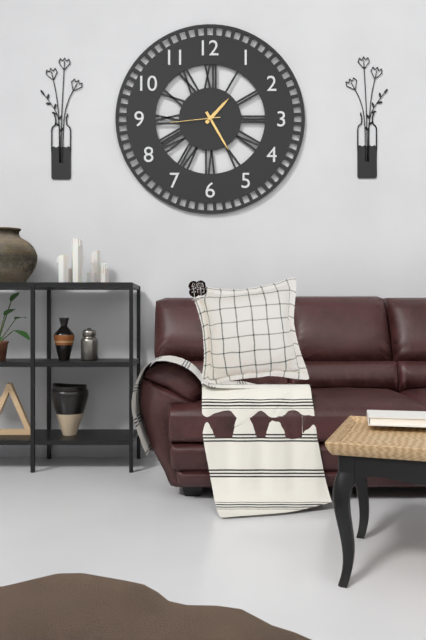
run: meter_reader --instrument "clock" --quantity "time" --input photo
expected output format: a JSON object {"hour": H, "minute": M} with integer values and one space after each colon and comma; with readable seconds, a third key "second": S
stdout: {"hour": 1, "minute": 25, "second": 44}
